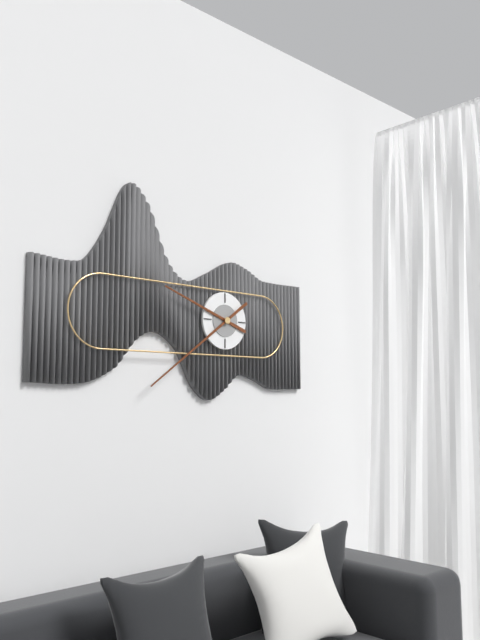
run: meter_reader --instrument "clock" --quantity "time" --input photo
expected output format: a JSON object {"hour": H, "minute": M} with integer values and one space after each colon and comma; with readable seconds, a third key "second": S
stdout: {"hour": 9, "minute": 39}
